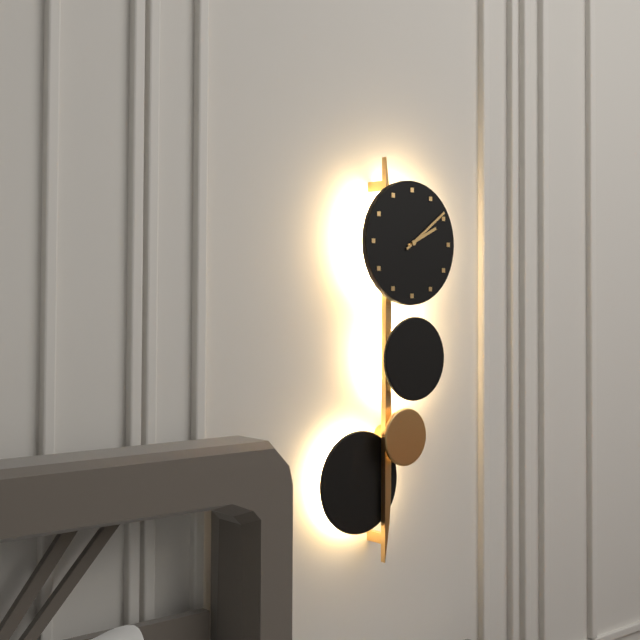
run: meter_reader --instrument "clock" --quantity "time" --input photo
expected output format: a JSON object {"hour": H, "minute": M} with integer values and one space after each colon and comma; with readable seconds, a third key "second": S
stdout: {"hour": 2, "minute": 9}
